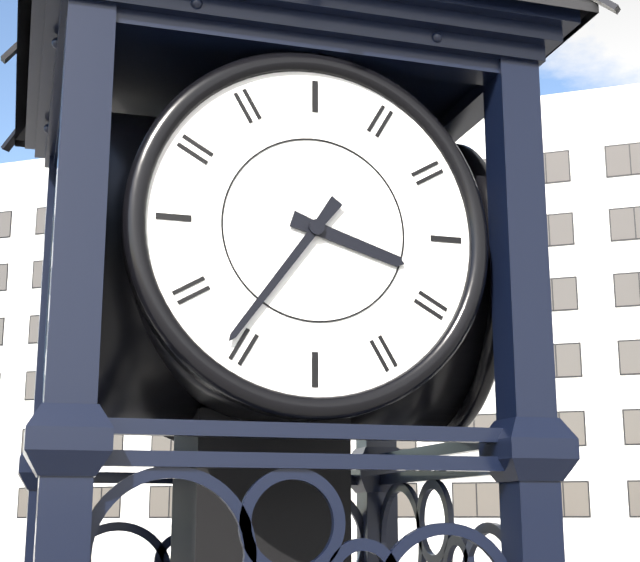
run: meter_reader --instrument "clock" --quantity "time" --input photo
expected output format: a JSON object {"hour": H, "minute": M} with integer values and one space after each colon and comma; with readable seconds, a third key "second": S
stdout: {"hour": 3, "minute": 36}
